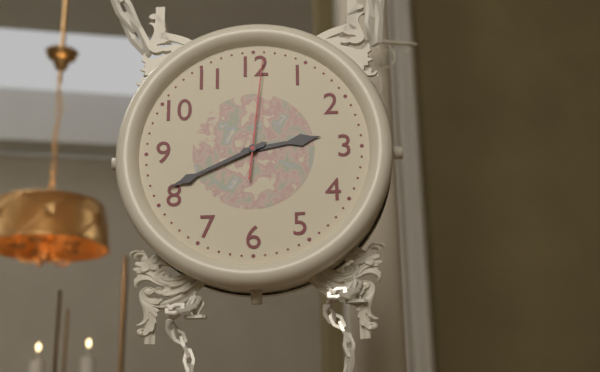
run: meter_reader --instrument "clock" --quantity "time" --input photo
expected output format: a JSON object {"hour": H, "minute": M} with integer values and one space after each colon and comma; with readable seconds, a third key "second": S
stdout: {"hour": 2, "minute": 41, "second": 1}
